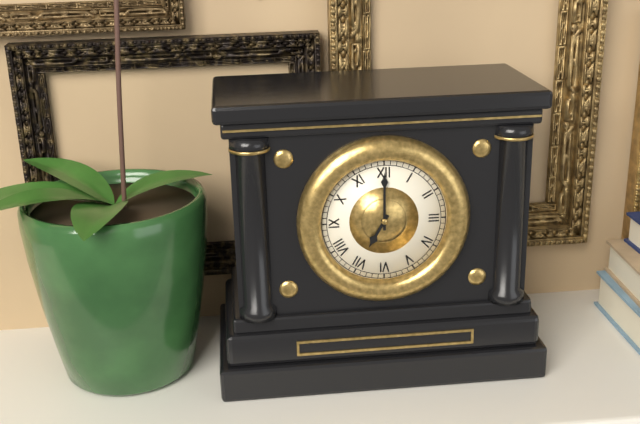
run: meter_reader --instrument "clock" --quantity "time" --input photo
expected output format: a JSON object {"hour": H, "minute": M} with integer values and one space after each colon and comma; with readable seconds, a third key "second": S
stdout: {"hour": 7, "minute": 0}
